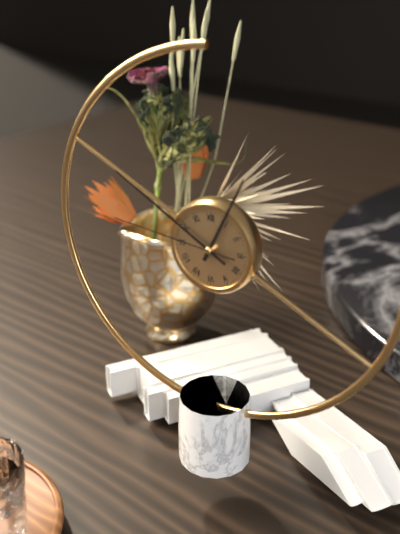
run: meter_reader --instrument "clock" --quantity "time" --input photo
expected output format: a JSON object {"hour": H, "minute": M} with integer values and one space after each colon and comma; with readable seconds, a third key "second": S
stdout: {"hour": 12, "minute": 50, "second": 46}
